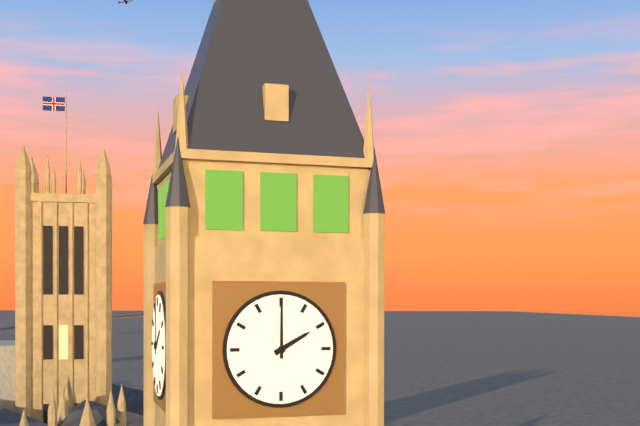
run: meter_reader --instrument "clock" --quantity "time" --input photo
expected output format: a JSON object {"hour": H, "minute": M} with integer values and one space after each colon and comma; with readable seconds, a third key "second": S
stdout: {"hour": 2, "minute": 0}
